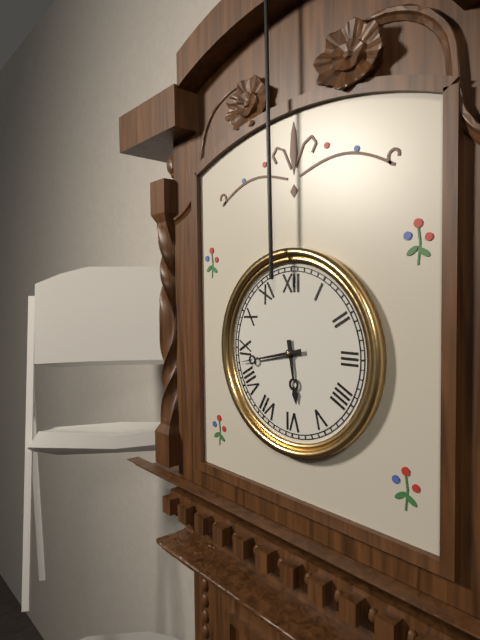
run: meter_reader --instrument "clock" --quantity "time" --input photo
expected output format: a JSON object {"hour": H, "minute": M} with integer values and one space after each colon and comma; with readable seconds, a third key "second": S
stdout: {"hour": 5, "minute": 43}
